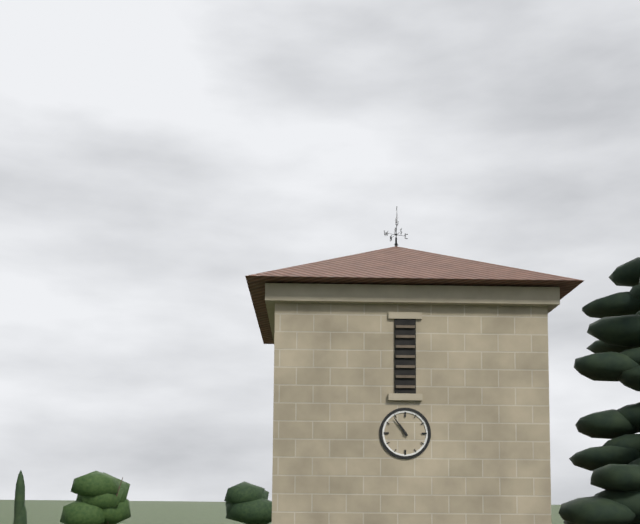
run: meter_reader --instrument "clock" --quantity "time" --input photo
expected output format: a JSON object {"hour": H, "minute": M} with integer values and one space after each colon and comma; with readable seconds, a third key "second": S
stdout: {"hour": 10, "minute": 54}
